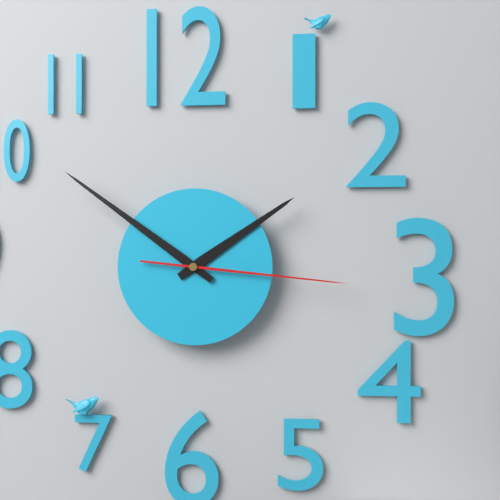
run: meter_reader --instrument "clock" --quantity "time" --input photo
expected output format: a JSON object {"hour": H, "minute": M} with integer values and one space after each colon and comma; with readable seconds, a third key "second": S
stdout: {"hour": 1, "minute": 51, "second": 16}
